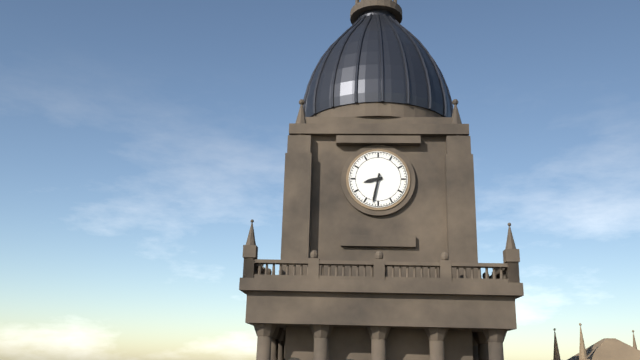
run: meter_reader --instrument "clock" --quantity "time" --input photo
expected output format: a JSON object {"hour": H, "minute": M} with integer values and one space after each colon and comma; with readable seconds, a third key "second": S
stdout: {"hour": 8, "minute": 32}
